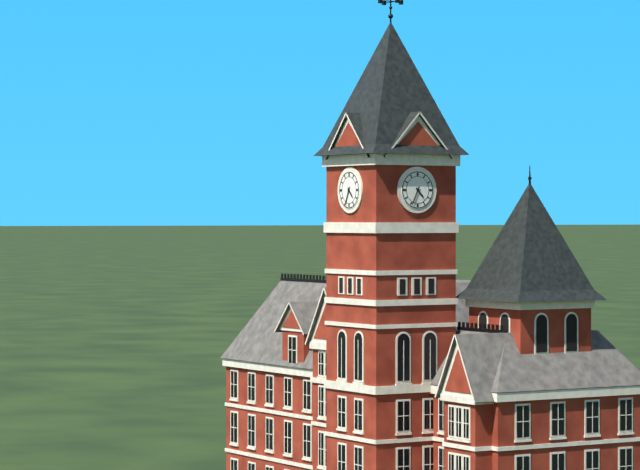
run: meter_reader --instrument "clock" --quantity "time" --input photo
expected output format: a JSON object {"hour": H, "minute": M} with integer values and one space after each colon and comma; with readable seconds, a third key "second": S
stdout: {"hour": 4, "minute": 34}
